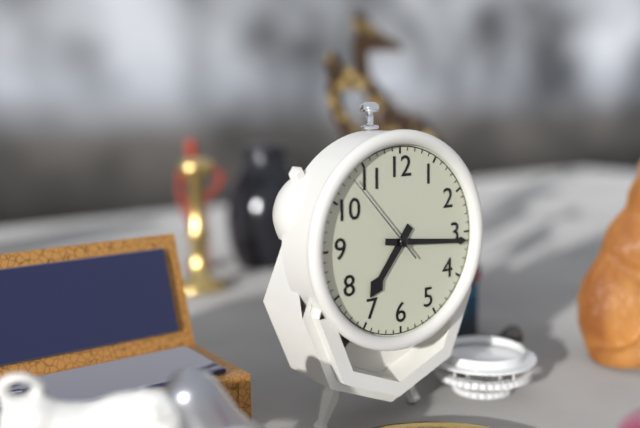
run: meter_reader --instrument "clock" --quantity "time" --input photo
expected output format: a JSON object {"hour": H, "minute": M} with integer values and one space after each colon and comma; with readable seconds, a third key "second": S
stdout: {"hour": 7, "minute": 16, "second": 53}
